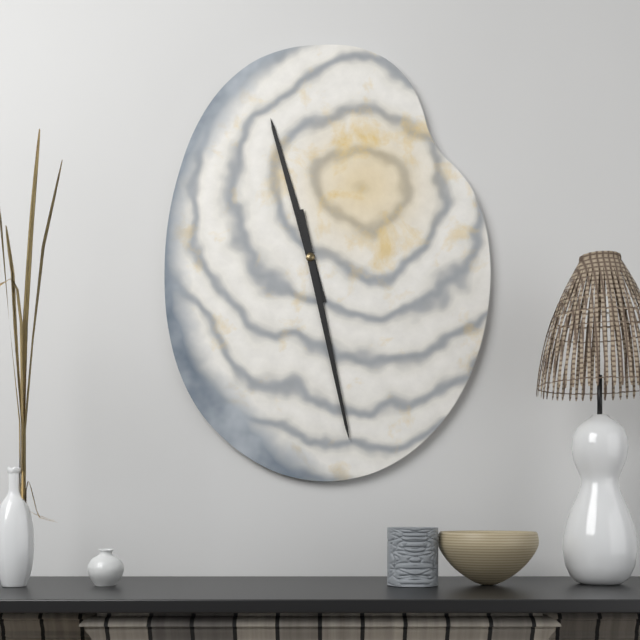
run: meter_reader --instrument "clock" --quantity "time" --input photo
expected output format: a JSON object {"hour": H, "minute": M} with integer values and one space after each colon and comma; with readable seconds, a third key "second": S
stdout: {"hour": 11, "minute": 28}
